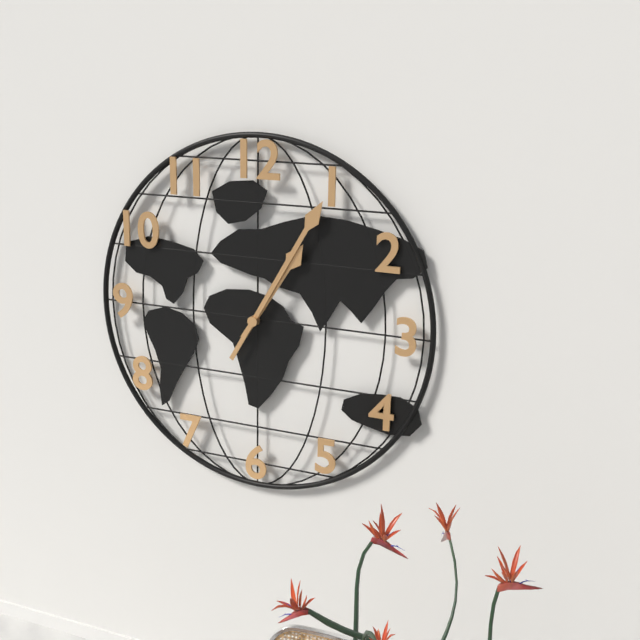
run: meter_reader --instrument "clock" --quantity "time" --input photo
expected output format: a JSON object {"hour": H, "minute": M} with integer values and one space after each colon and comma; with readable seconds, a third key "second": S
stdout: {"hour": 1, "minute": 5}
